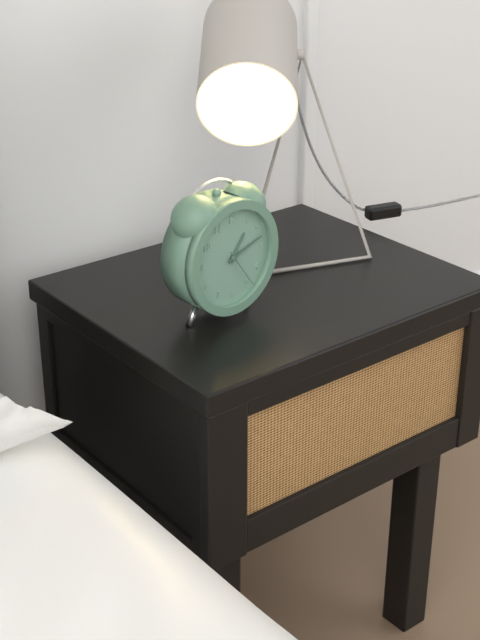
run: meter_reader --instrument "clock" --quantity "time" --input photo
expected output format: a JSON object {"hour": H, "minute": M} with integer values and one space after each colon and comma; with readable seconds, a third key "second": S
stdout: {"hour": 1, "minute": 12}
